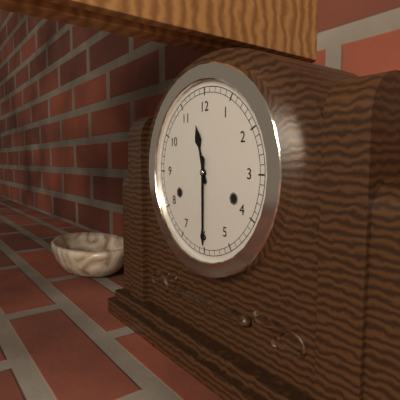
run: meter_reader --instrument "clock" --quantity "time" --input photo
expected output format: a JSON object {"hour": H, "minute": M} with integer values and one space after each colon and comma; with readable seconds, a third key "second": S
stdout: {"hour": 11, "minute": 30}
